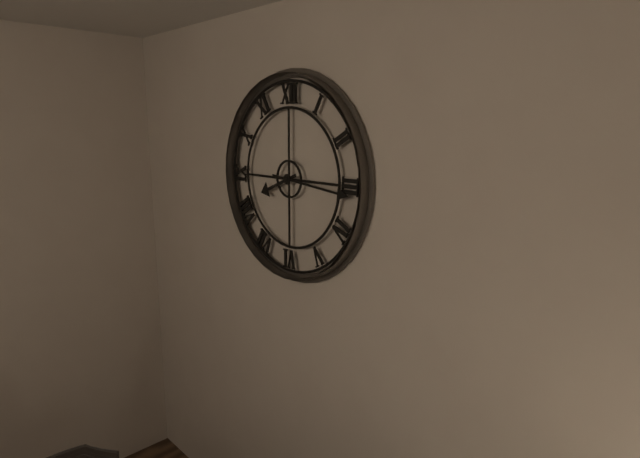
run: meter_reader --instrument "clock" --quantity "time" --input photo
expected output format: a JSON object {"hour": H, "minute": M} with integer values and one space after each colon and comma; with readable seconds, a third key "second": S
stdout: {"hour": 8, "minute": 16}
